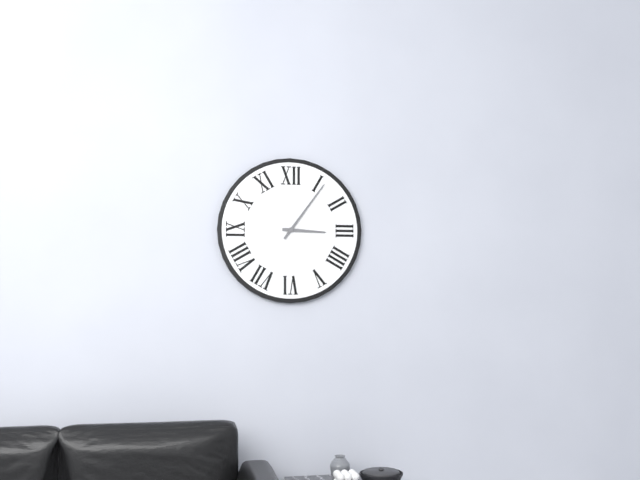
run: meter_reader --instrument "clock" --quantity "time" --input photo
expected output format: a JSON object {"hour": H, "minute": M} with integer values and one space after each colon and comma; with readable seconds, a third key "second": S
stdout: {"hour": 3, "minute": 6}
